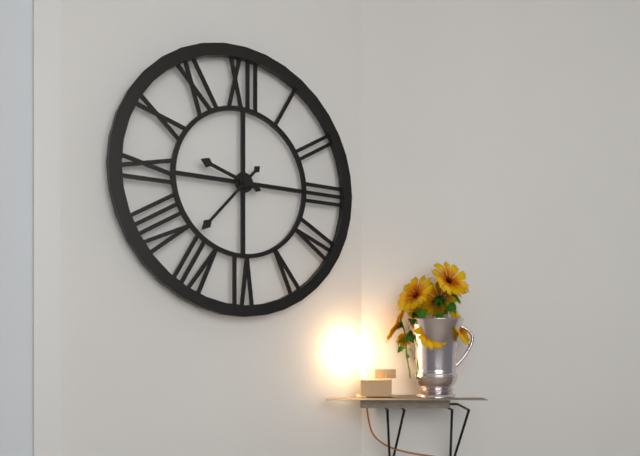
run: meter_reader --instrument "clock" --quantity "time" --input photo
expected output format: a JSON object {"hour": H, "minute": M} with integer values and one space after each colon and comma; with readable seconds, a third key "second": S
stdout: {"hour": 9, "minute": 37}
